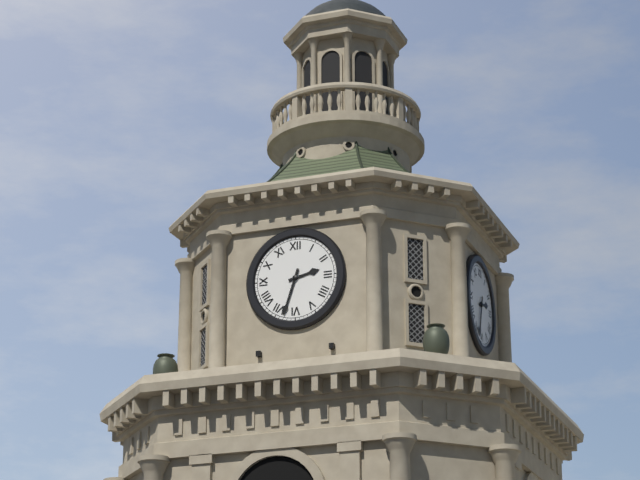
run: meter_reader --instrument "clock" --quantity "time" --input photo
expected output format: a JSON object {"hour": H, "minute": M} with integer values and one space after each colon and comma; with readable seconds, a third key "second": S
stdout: {"hour": 2, "minute": 33}
